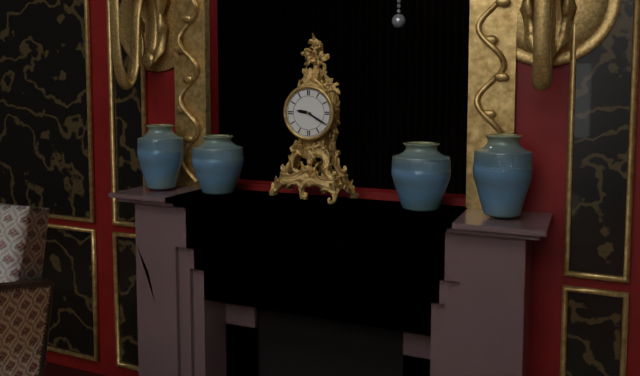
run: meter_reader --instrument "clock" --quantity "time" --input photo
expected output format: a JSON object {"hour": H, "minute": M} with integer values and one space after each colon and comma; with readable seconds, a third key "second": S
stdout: {"hour": 9, "minute": 20}
